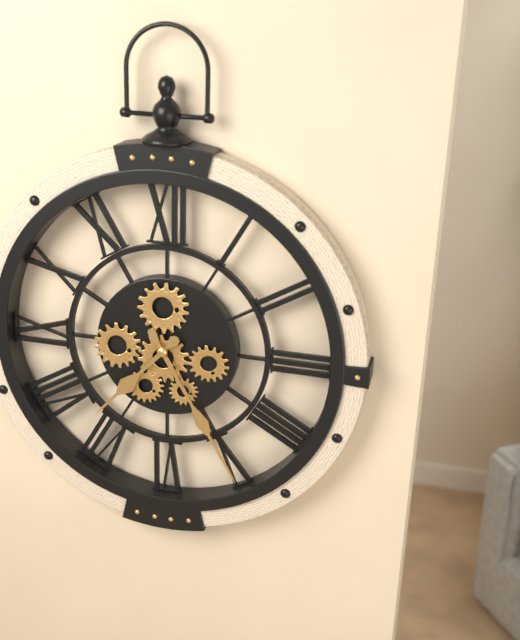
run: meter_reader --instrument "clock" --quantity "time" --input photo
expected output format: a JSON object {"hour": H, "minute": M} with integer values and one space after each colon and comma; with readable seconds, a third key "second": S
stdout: {"hour": 7, "minute": 25}
